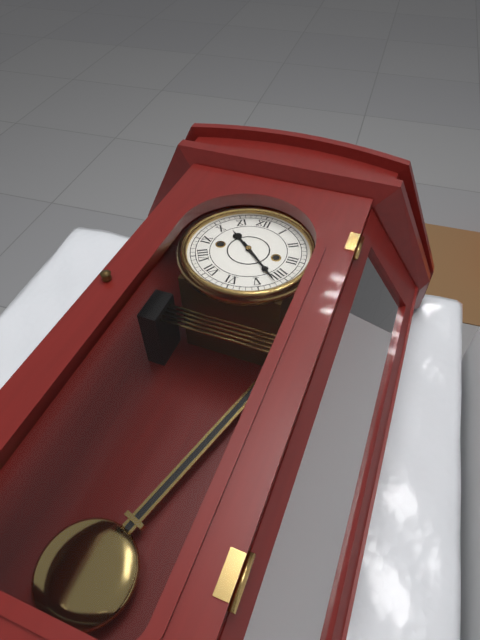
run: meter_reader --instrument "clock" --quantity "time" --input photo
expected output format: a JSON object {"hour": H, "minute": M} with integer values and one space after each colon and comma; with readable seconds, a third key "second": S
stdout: {"hour": 10, "minute": 22}
